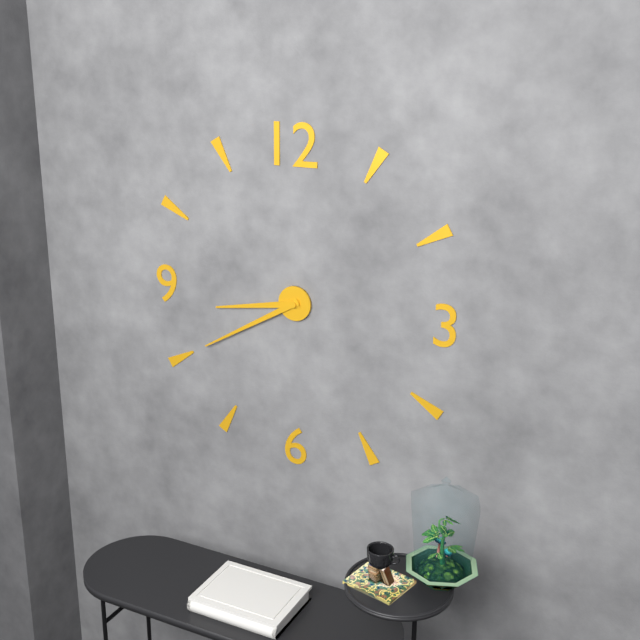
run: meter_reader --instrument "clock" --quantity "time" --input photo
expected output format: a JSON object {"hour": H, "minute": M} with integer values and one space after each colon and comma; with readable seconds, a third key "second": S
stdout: {"hour": 8, "minute": 40}
